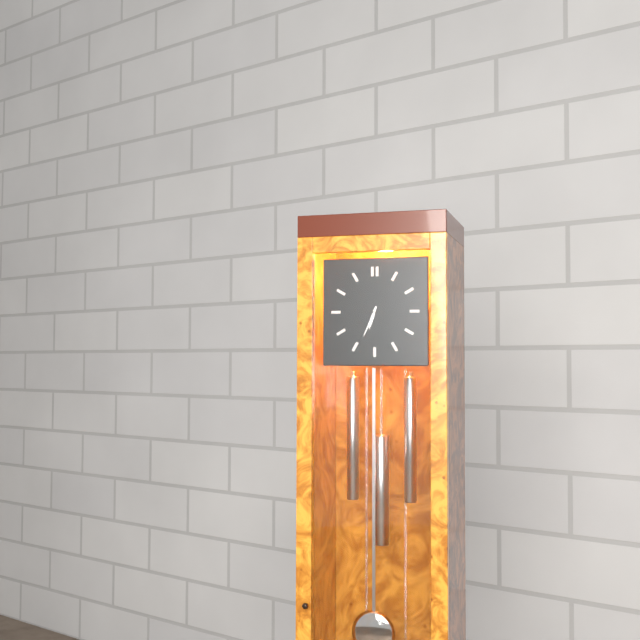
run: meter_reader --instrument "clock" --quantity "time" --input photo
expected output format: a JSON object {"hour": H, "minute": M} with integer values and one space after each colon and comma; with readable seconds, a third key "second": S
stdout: {"hour": 6, "minute": 34}
